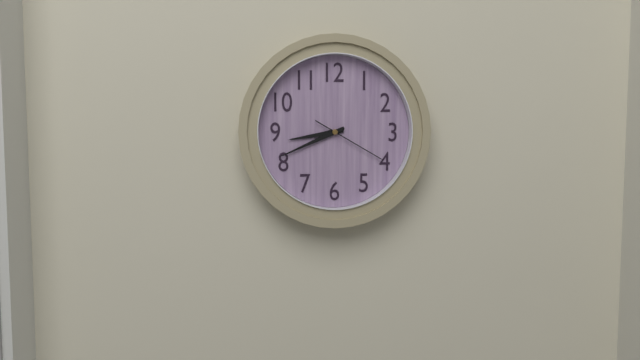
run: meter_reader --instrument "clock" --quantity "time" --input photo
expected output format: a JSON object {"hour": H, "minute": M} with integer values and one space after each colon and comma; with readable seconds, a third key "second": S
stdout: {"hour": 8, "minute": 41, "second": 20}
